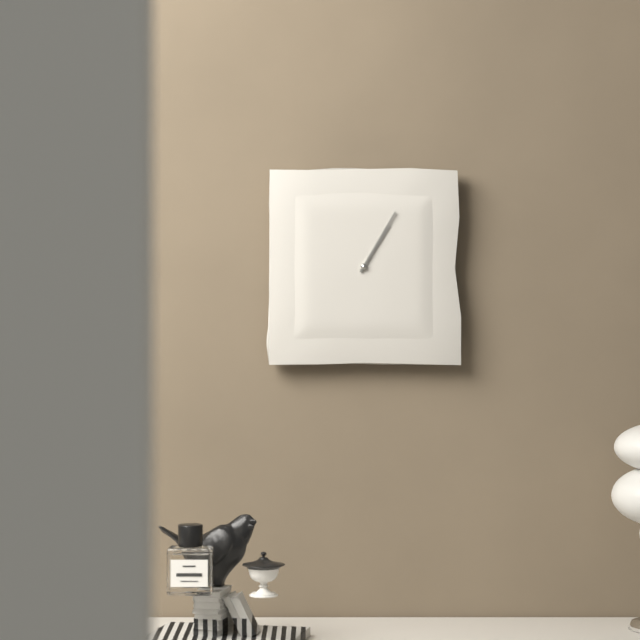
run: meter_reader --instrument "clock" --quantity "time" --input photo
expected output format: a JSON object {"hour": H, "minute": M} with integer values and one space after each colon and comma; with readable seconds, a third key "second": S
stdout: {"hour": 1, "minute": 5}
